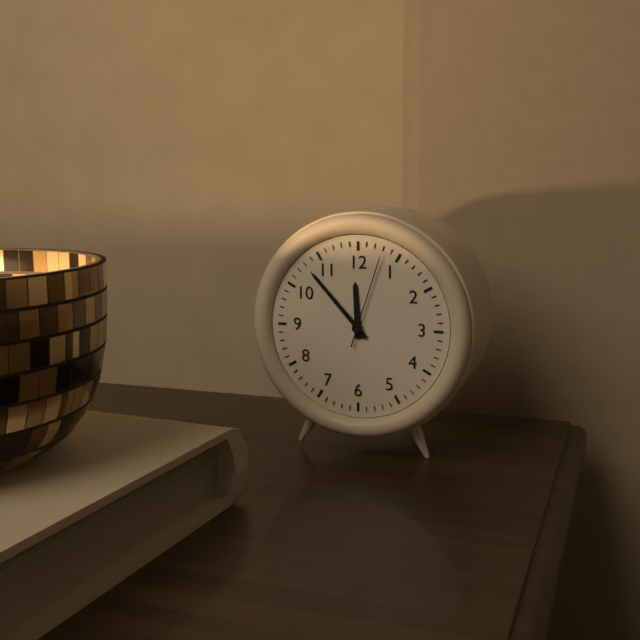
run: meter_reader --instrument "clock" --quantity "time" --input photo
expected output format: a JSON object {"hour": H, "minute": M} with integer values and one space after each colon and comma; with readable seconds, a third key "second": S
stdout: {"hour": 11, "minute": 53, "second": 3}
